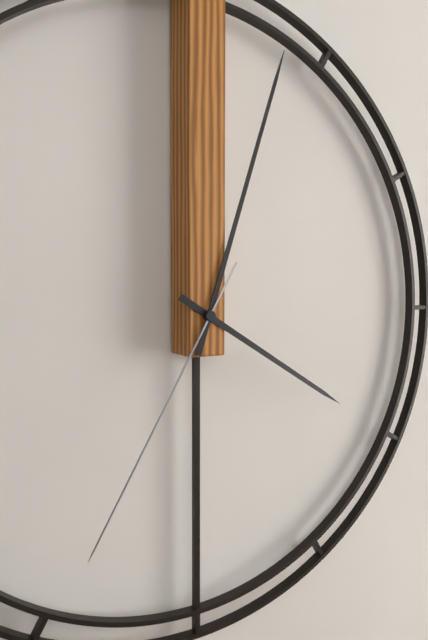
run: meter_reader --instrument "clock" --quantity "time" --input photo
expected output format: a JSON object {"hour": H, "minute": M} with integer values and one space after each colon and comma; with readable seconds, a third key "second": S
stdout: {"hour": 4, "minute": 3, "second": 35}
